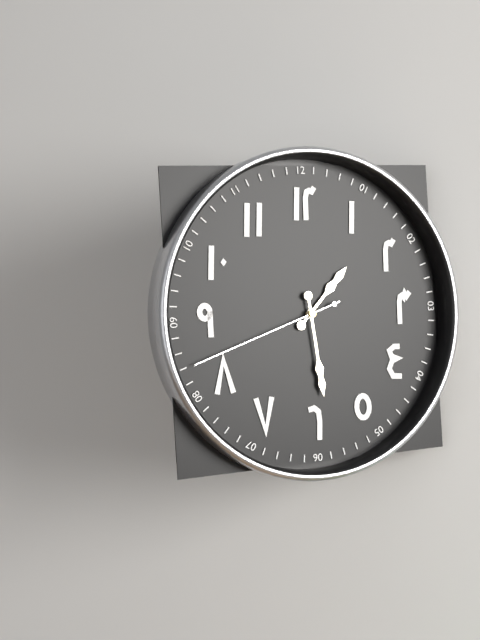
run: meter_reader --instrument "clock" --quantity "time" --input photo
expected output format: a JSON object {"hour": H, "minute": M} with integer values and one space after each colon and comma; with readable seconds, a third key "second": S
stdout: {"hour": 1, "minute": 29, "second": 42}
